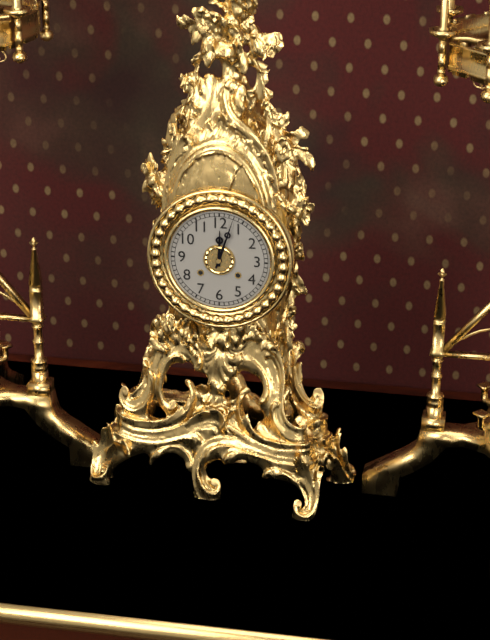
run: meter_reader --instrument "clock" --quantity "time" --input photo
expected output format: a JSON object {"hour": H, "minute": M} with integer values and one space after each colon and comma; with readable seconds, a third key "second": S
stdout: {"hour": 12, "minute": 3}
